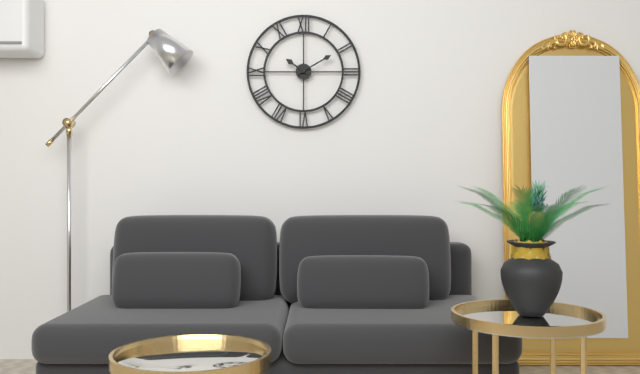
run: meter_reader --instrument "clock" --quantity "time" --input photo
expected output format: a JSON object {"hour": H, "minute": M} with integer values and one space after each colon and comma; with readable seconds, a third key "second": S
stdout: {"hour": 10, "minute": 10}
